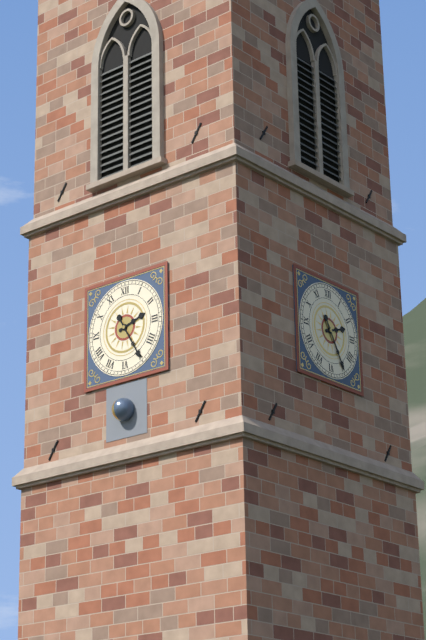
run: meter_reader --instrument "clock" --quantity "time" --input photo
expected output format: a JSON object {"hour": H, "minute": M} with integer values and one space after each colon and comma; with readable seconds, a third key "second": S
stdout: {"hour": 2, "minute": 25}
